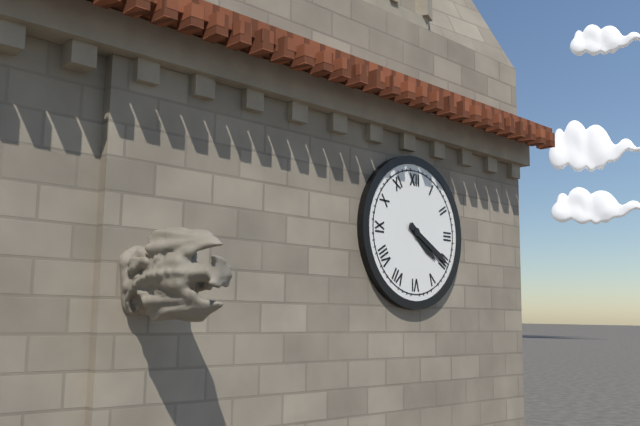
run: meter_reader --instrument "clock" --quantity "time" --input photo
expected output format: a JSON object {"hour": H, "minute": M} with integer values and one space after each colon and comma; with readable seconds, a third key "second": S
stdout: {"hour": 4, "minute": 20}
